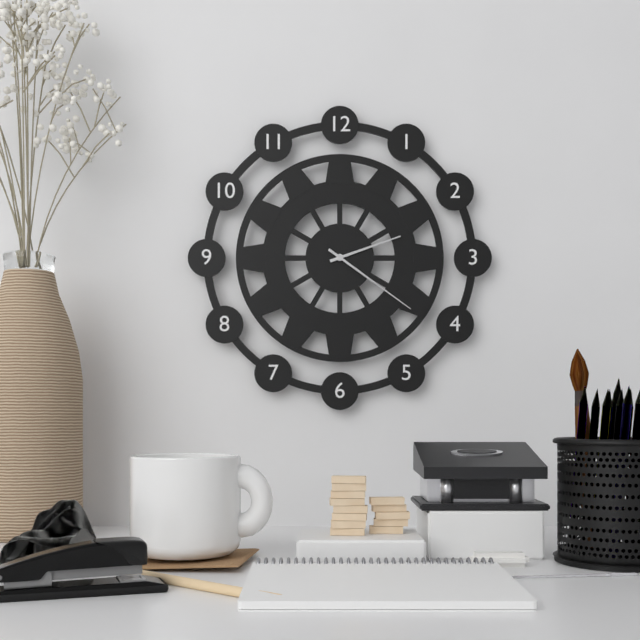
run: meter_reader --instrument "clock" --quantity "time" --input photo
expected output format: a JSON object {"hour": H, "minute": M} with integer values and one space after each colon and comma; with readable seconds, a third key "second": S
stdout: {"hour": 2, "minute": 21}
